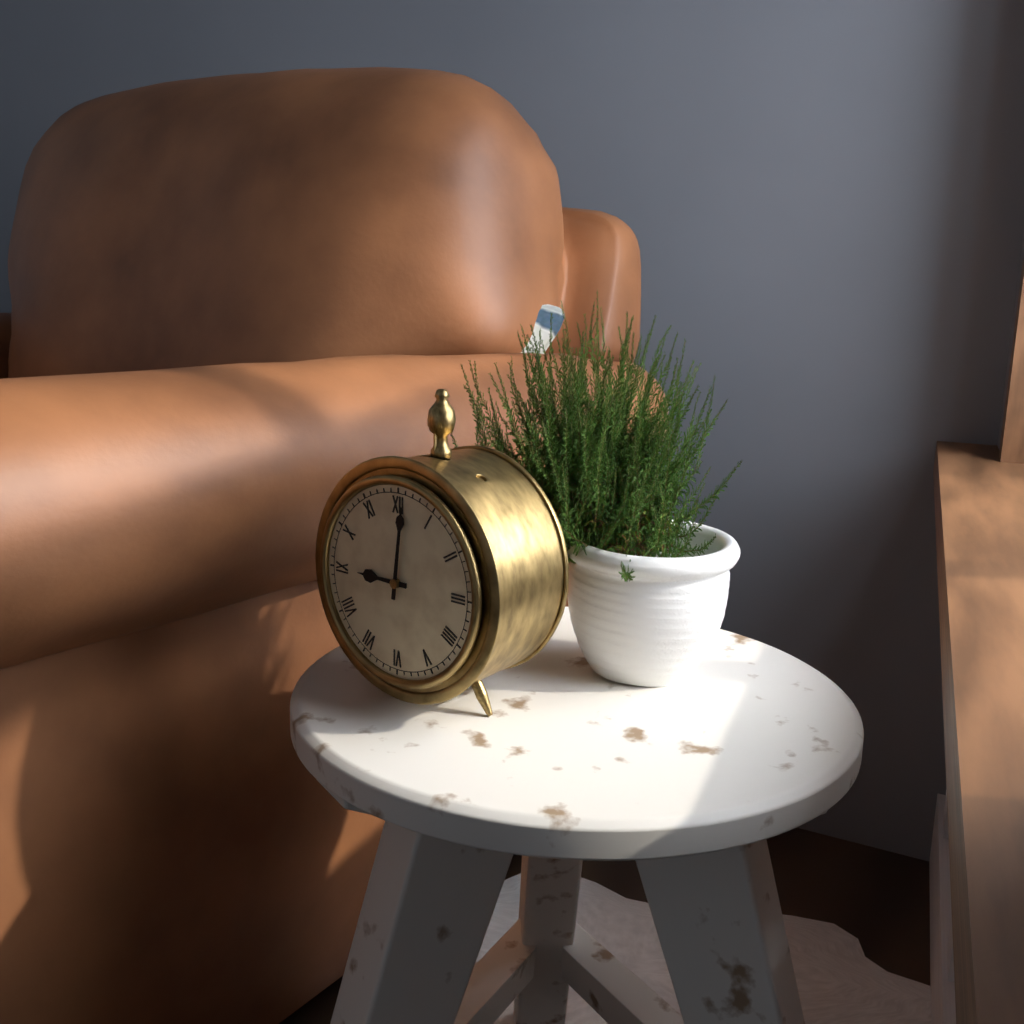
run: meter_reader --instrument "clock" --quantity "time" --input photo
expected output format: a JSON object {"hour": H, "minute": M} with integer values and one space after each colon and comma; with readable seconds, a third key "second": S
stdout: {"hour": 9, "minute": 1}
